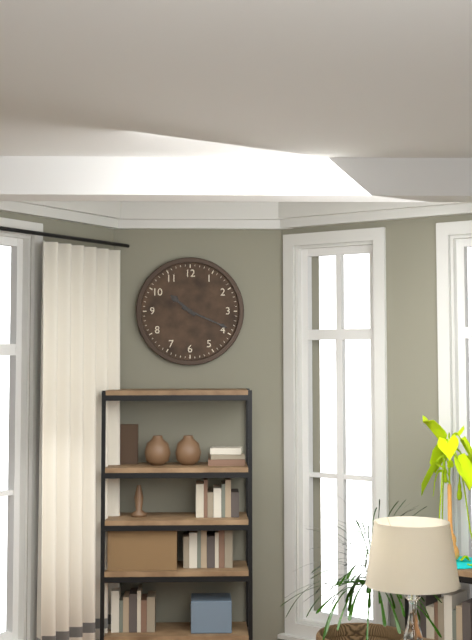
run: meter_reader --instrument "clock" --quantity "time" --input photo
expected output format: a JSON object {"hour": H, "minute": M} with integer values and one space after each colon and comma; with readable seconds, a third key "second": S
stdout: {"hour": 10, "minute": 19}
